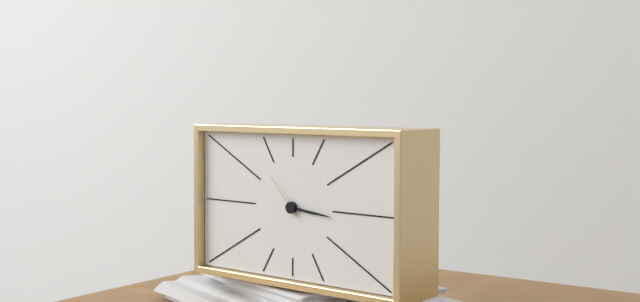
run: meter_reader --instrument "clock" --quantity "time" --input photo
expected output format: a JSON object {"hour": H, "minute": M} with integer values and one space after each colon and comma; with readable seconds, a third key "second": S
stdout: {"hour": 3, "minute": 16}
